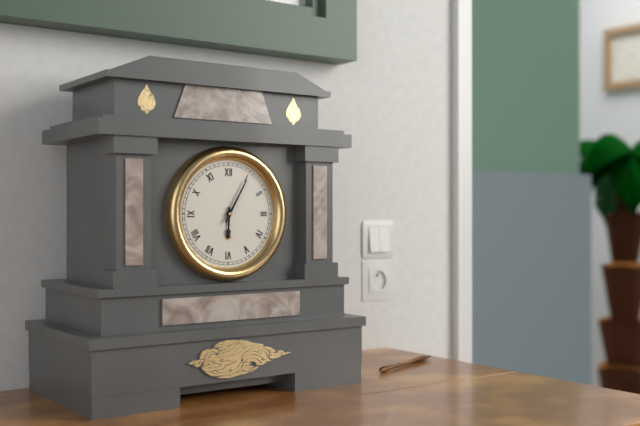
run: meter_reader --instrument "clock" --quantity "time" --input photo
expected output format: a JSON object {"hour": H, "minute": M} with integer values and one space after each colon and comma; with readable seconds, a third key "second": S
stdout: {"hour": 6, "minute": 5}
